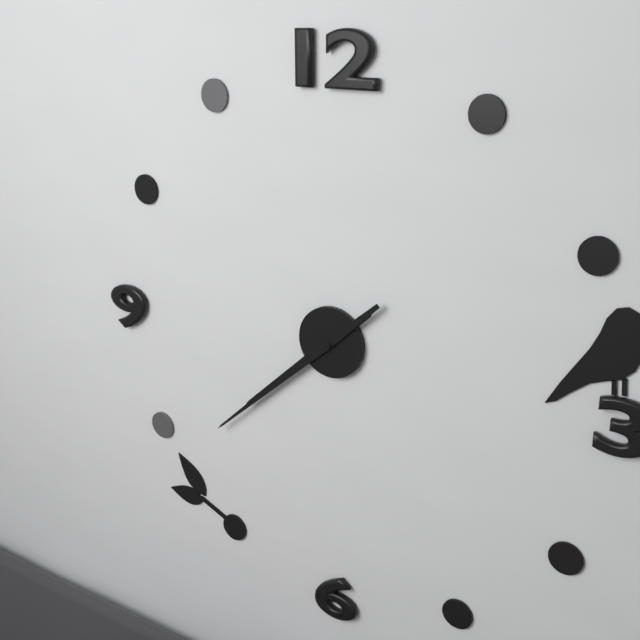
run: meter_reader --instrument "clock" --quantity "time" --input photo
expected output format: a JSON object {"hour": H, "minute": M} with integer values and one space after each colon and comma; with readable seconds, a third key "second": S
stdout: {"hour": 7, "minute": 38}
